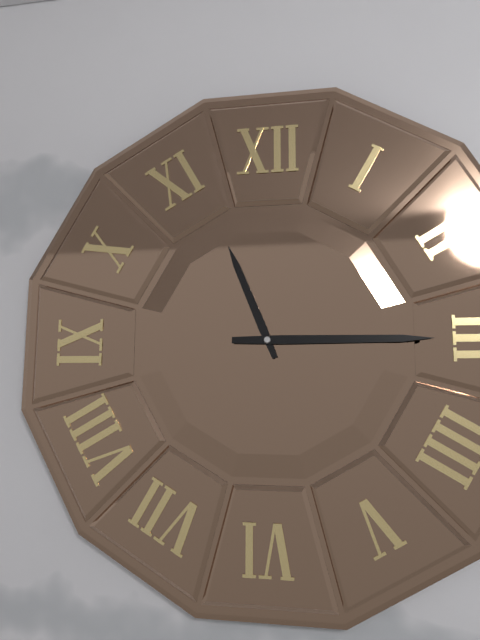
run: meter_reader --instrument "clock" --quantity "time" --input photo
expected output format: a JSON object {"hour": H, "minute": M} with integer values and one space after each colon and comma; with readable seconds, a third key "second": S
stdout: {"hour": 11, "minute": 15}
